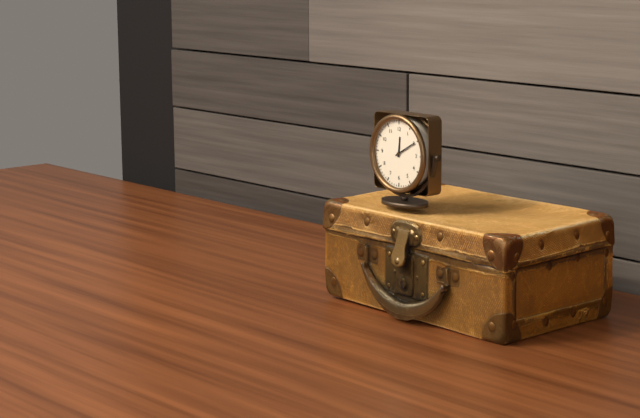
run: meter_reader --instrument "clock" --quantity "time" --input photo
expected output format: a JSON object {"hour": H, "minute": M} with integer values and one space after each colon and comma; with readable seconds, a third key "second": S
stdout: {"hour": 12, "minute": 10}
